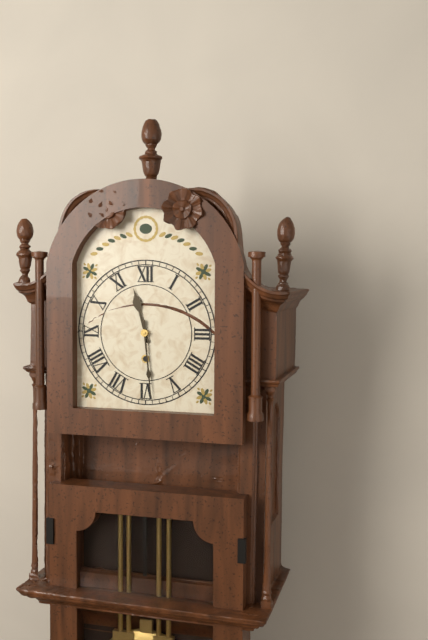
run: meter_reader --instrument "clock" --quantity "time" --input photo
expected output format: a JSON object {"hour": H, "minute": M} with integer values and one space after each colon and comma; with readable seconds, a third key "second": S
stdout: {"hour": 11, "minute": 29}
